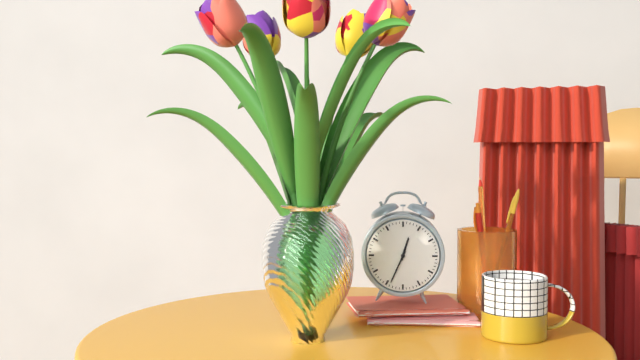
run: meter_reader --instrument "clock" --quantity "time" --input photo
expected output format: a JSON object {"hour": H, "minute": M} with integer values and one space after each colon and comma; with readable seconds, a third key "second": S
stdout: {"hour": 12, "minute": 34}
